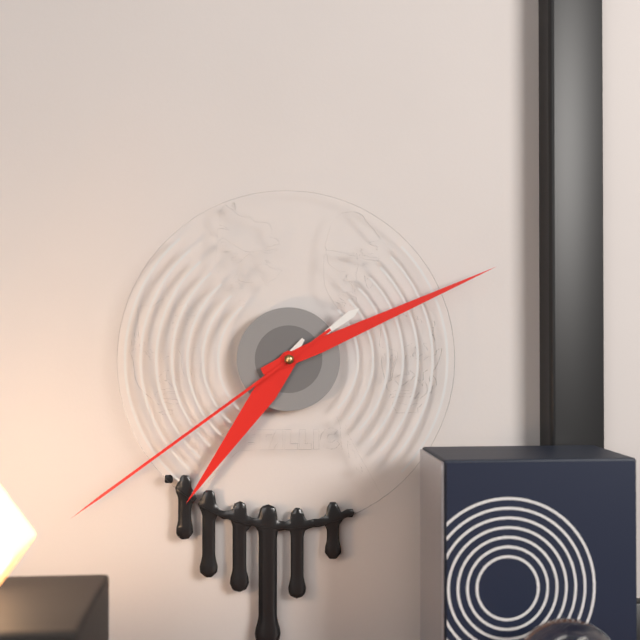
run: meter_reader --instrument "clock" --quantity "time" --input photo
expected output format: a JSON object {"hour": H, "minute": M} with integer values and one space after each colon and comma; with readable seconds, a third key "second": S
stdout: {"hour": 7, "minute": 11, "second": 39}
